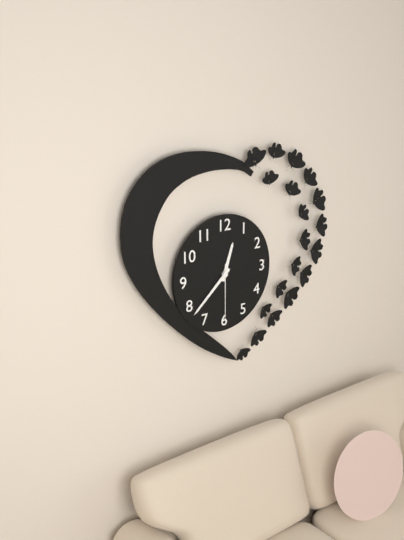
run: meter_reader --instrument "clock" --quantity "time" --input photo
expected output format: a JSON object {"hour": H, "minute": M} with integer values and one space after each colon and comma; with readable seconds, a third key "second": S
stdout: {"hour": 12, "minute": 38, "second": 30}
